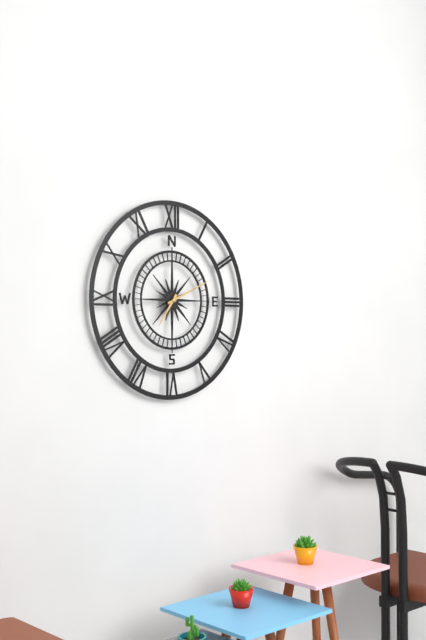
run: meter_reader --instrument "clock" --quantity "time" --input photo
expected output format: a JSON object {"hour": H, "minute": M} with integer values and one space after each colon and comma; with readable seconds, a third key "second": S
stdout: {"hour": 7, "minute": 11}
